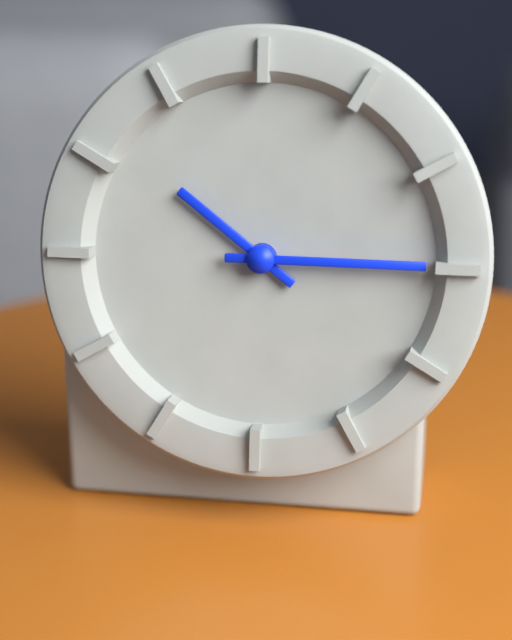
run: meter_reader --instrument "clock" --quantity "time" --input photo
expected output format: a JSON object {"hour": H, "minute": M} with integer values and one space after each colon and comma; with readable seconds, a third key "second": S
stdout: {"hour": 10, "minute": 15}
